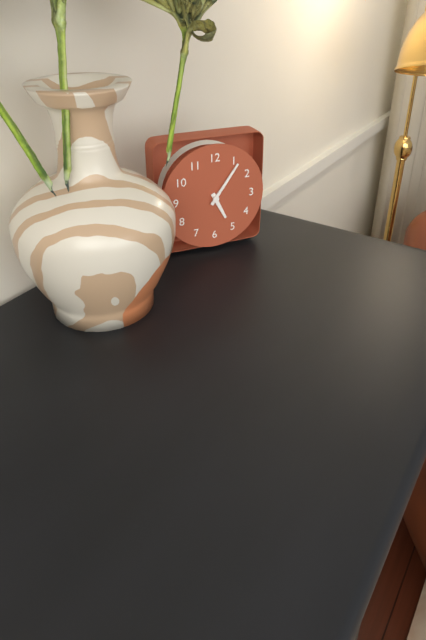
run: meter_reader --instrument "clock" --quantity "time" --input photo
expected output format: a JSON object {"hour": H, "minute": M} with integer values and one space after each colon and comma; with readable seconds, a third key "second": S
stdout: {"hour": 5, "minute": 6}
